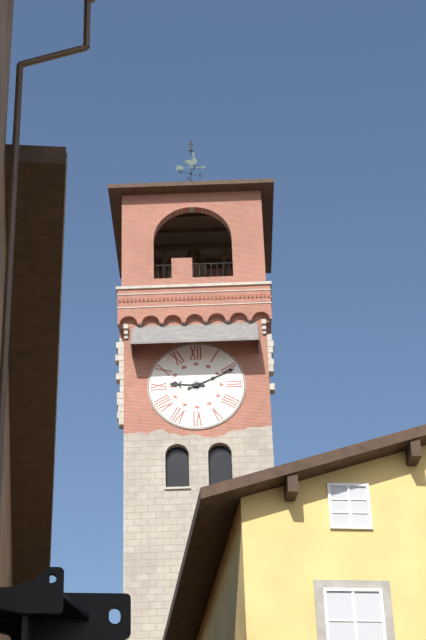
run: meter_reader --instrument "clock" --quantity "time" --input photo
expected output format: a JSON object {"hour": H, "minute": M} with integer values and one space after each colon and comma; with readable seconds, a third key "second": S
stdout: {"hour": 9, "minute": 11}
